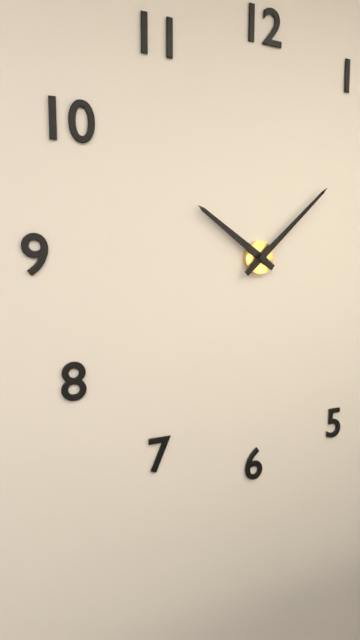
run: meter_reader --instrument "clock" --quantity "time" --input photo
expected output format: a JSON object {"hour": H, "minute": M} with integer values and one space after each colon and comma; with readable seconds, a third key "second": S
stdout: {"hour": 10, "minute": 8}
